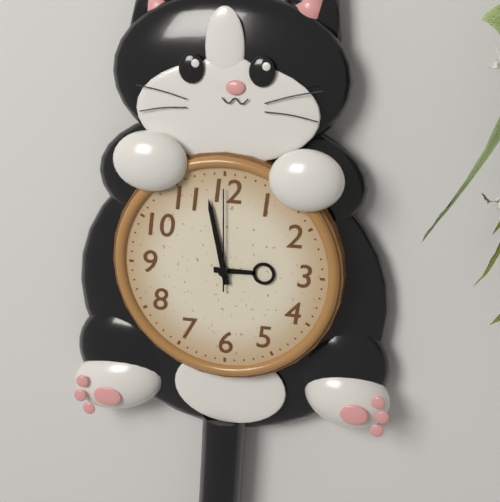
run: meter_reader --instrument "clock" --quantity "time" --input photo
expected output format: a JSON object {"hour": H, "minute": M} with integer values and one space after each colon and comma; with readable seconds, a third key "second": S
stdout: {"hour": 2, "minute": 58, "second": 0}
